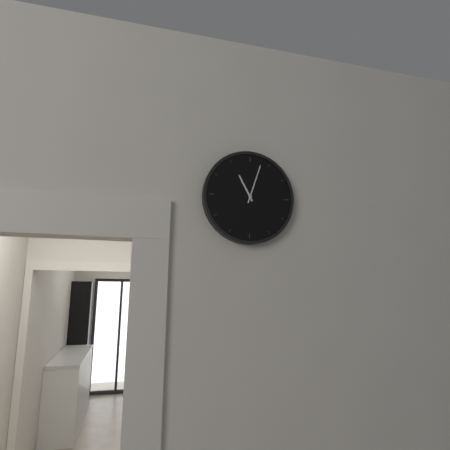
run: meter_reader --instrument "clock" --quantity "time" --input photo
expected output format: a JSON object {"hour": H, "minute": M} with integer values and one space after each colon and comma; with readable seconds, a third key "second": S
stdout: {"hour": 11, "minute": 3}
